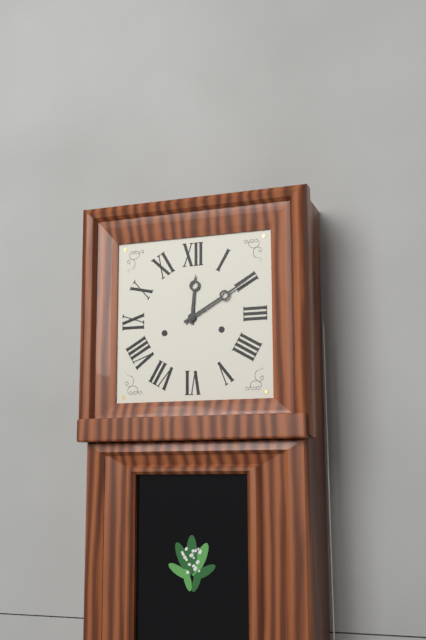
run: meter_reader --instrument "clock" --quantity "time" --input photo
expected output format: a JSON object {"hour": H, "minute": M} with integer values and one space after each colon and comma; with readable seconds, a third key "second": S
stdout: {"hour": 12, "minute": 10}
